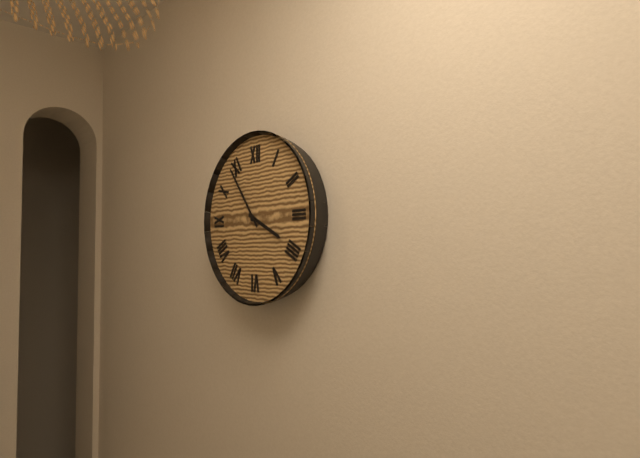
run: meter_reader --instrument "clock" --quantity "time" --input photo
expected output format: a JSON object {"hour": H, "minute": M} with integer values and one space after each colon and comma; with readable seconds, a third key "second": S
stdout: {"hour": 3, "minute": 54}
